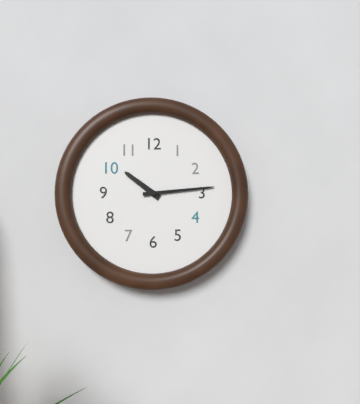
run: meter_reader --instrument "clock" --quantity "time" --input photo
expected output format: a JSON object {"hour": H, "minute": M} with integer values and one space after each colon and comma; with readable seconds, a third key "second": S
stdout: {"hour": 10, "minute": 14}
